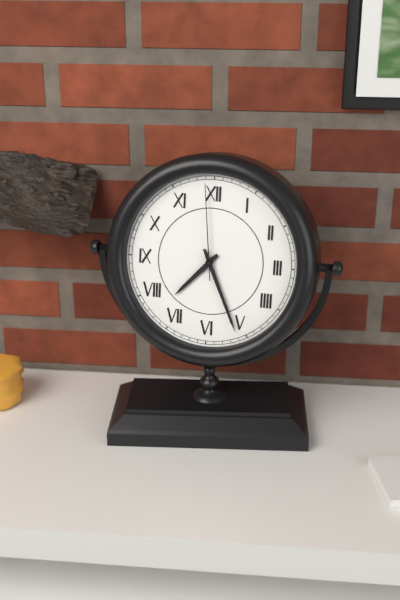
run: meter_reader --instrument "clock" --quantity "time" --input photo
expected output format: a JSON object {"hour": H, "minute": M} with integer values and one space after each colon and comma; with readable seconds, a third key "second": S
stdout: {"hour": 7, "minute": 26, "second": 59}
